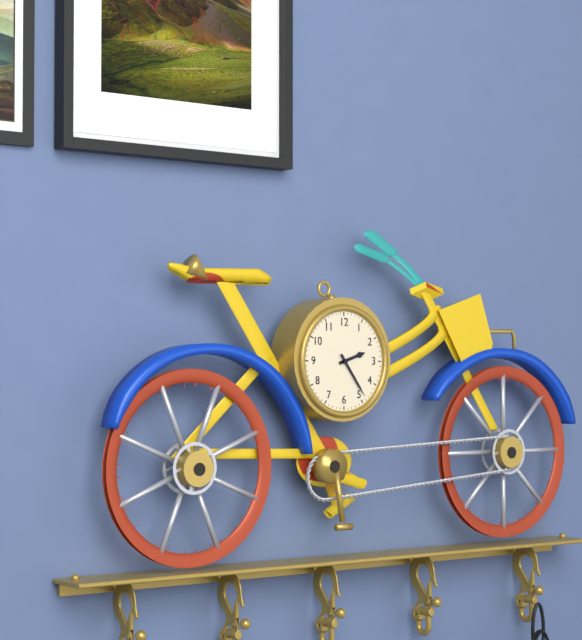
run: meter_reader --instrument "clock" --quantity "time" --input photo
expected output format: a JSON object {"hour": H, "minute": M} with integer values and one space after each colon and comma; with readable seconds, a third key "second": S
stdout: {"hour": 2, "minute": 24}
